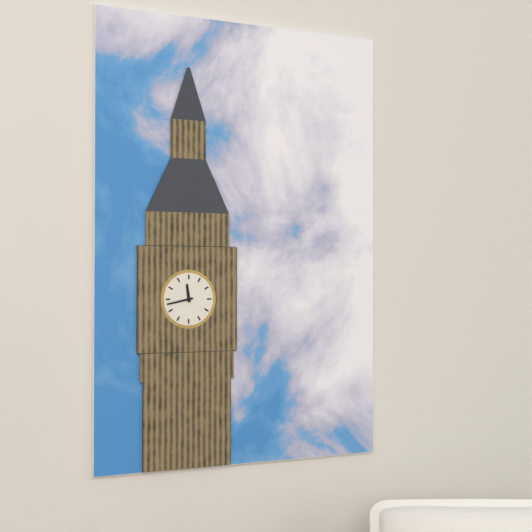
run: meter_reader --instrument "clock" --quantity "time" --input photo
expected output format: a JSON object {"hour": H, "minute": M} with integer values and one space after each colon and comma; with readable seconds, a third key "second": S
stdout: {"hour": 11, "minute": 43}
